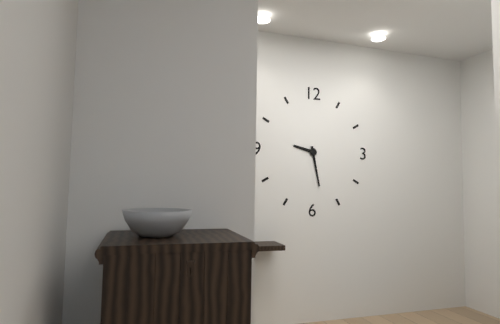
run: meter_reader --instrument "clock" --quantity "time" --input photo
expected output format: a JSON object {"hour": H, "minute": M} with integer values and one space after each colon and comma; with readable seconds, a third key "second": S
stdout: {"hour": 9, "minute": 28}
